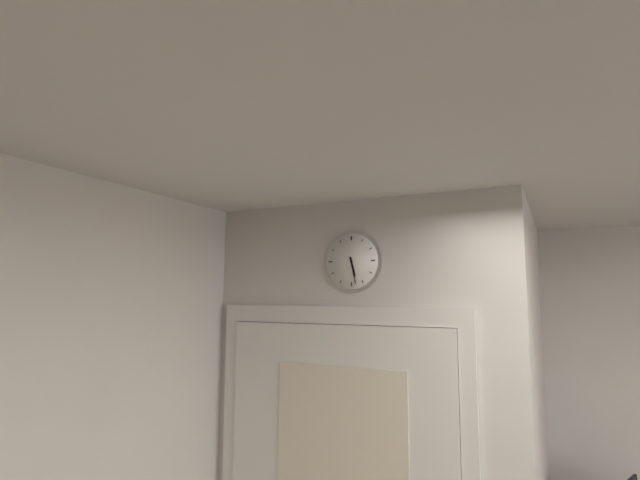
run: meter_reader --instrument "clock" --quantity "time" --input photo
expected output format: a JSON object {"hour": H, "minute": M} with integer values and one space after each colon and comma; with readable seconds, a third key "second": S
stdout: {"hour": 5, "minute": 28}
